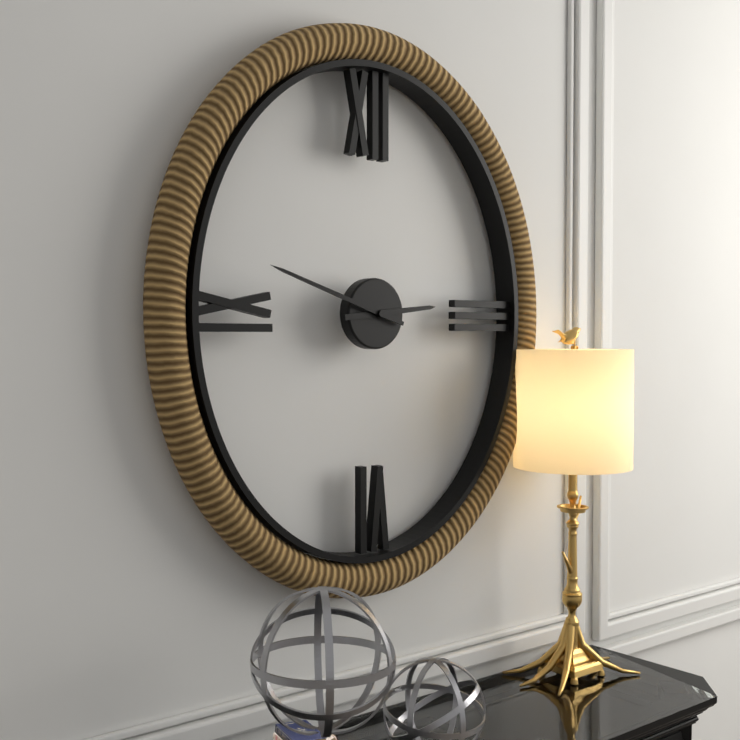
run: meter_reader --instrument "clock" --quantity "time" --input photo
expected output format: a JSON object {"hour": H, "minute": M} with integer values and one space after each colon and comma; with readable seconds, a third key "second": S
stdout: {"hour": 2, "minute": 48}
